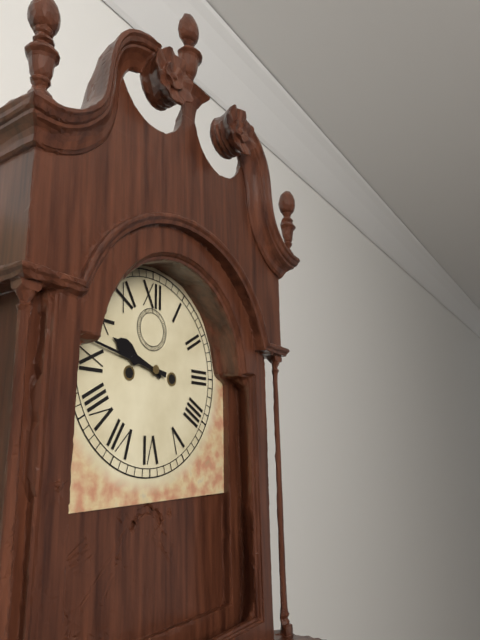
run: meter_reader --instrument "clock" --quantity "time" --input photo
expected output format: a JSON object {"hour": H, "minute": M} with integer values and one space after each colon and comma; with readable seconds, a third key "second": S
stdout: {"hour": 9, "minute": 47}
